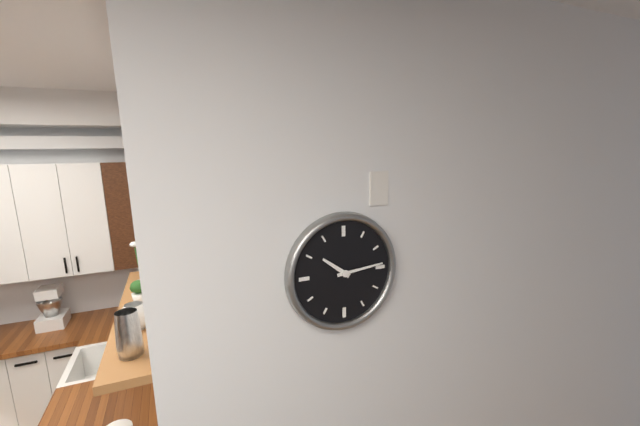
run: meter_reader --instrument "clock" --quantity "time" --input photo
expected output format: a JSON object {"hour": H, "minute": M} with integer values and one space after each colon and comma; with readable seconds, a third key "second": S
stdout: {"hour": 10, "minute": 14}
